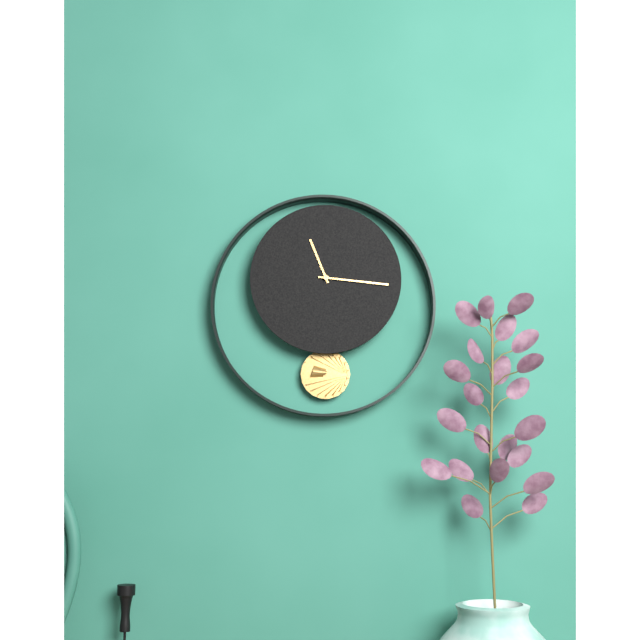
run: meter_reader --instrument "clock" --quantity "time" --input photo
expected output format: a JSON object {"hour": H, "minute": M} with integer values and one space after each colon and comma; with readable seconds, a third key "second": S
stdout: {"hour": 11, "minute": 16}
